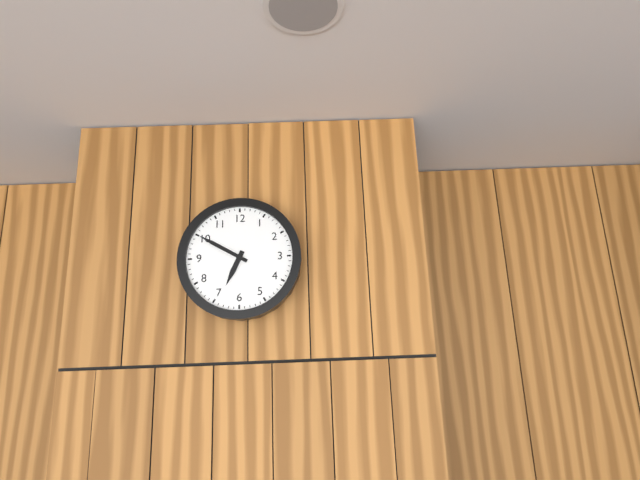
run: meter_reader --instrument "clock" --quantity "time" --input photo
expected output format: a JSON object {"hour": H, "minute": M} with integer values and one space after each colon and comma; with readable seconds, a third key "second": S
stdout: {"hour": 6, "minute": 50}
